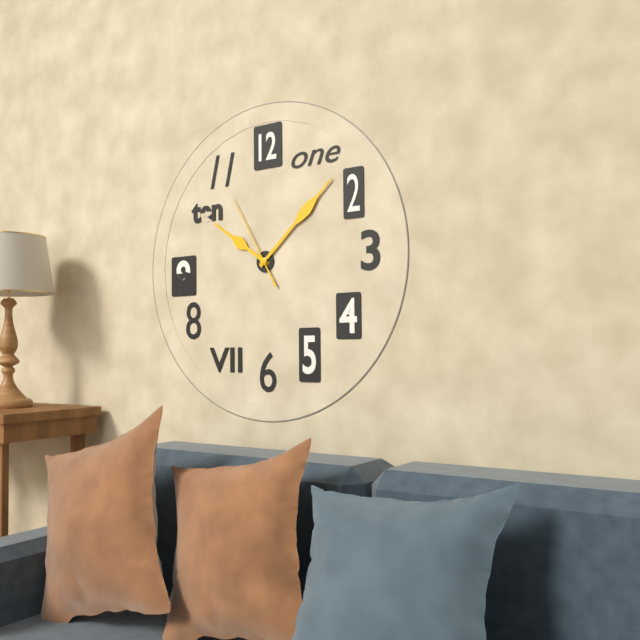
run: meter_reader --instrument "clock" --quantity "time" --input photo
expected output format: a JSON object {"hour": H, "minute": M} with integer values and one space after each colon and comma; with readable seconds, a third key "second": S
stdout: {"hour": 10, "minute": 8, "second": 55}
